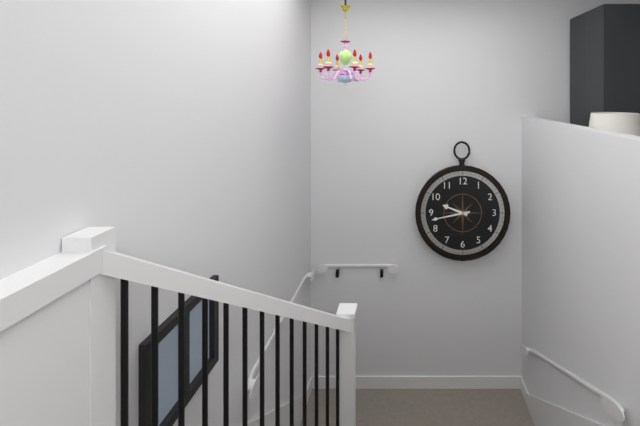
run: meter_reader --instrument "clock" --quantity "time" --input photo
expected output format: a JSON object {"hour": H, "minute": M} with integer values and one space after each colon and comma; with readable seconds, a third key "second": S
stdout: {"hour": 9, "minute": 43}
